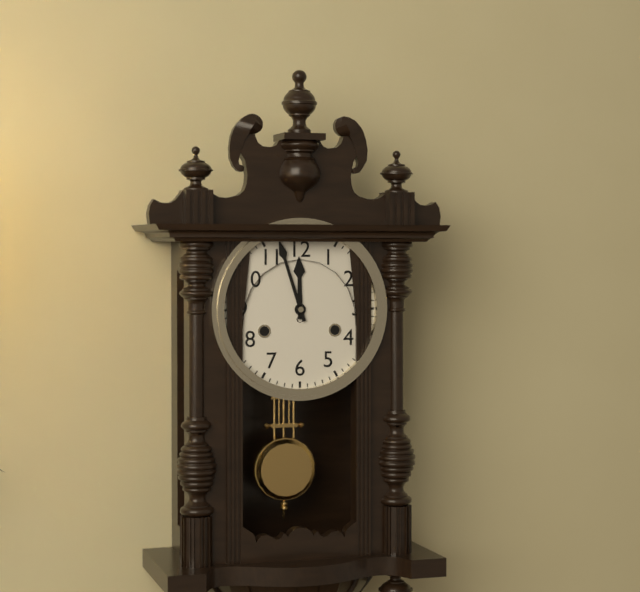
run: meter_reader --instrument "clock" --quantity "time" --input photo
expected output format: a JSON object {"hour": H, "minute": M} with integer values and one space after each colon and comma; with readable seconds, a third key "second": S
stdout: {"hour": 11, "minute": 57}
